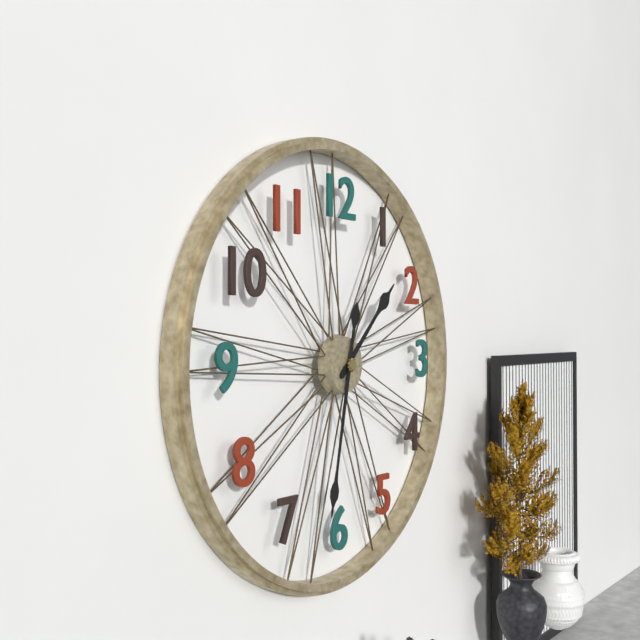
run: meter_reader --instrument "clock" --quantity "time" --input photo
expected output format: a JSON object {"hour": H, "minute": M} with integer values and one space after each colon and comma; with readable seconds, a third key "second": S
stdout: {"hour": 1, "minute": 32}
